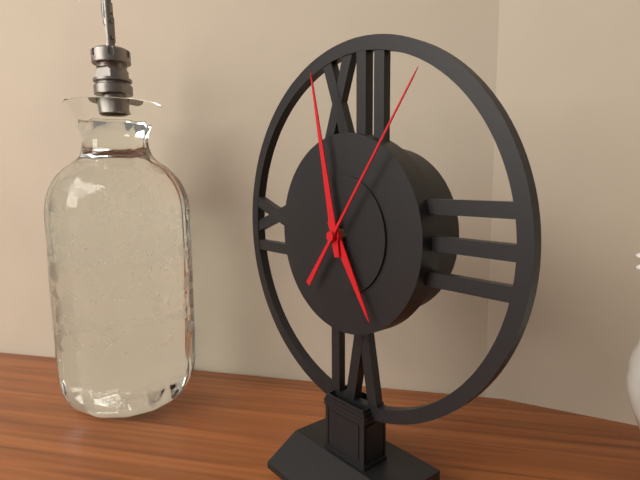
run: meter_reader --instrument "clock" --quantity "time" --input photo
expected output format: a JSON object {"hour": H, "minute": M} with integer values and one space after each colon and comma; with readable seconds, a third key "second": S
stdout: {"hour": 4, "minute": 58, "second": 6}
